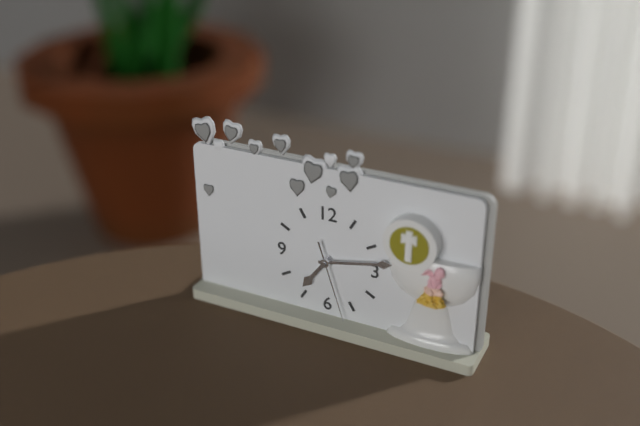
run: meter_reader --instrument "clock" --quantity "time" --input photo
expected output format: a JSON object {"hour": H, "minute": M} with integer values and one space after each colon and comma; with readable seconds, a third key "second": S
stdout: {"hour": 7, "minute": 13, "second": 27}
